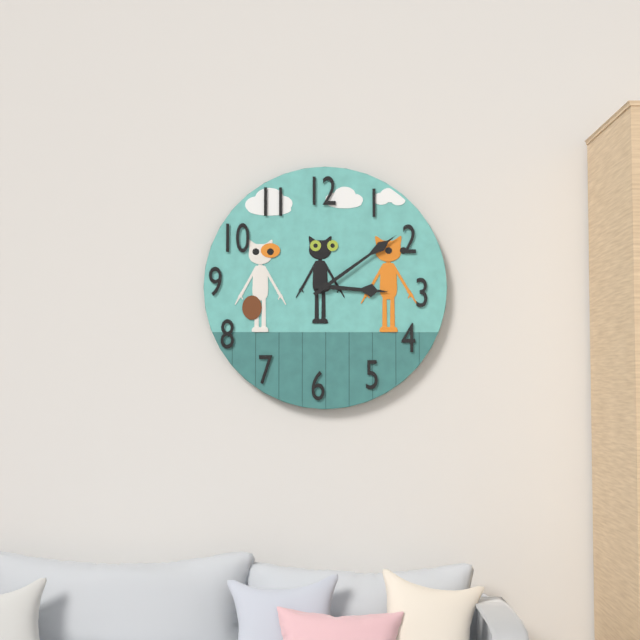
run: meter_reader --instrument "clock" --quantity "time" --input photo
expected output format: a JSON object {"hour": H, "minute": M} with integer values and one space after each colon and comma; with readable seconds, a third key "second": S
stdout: {"hour": 3, "minute": 9}
